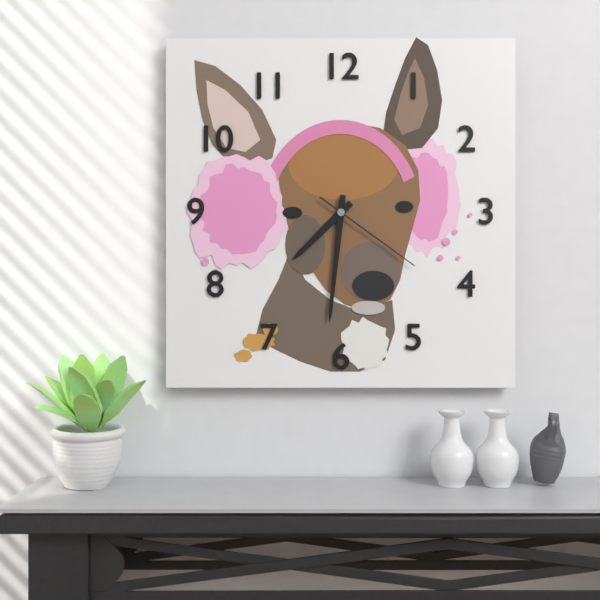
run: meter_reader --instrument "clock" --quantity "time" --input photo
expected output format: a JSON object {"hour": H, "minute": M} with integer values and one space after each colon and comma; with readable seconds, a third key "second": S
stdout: {"hour": 7, "minute": 31, "second": 21}
